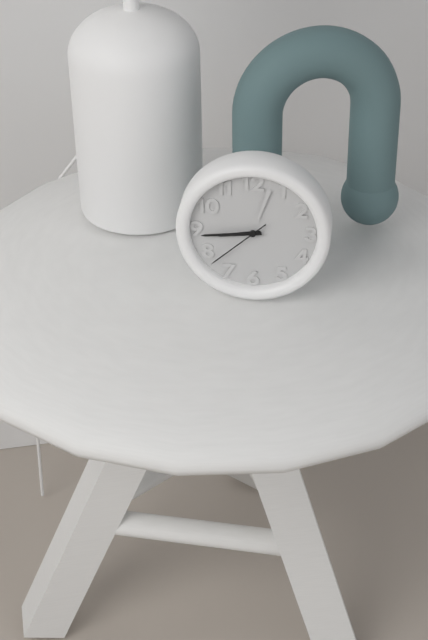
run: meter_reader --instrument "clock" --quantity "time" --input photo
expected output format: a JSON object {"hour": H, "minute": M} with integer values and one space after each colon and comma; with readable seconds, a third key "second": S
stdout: {"hour": 8, "minute": 44, "second": 38}
